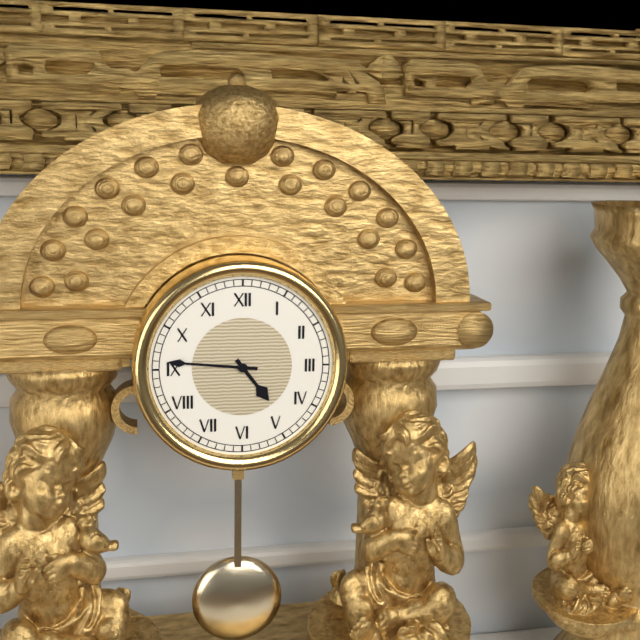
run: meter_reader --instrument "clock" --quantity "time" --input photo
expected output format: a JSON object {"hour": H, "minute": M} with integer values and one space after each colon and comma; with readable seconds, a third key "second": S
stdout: {"hour": 4, "minute": 46}
